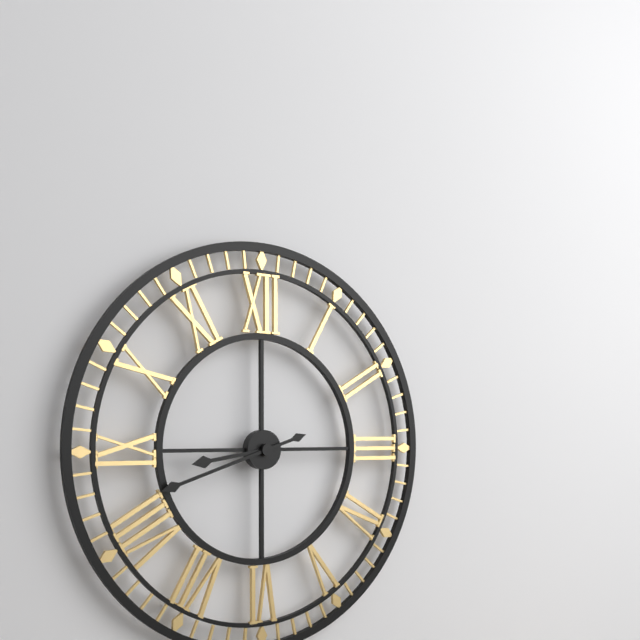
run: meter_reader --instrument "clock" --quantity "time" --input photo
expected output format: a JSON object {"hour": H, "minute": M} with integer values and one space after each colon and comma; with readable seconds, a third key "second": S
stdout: {"hour": 8, "minute": 42}
